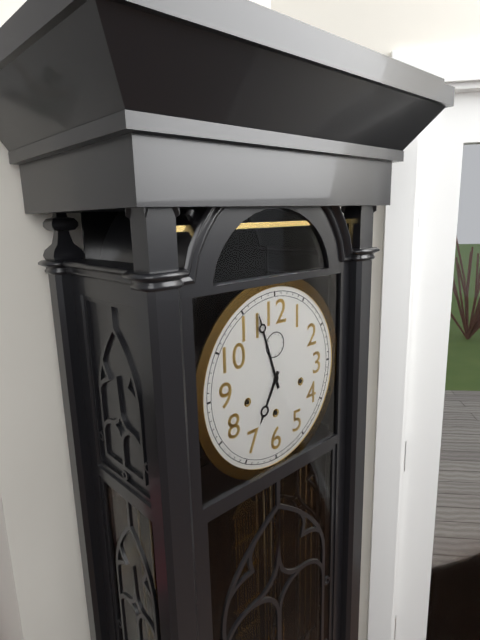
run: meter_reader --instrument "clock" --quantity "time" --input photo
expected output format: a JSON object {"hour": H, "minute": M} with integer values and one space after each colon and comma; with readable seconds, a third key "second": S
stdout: {"hour": 6, "minute": 57}
